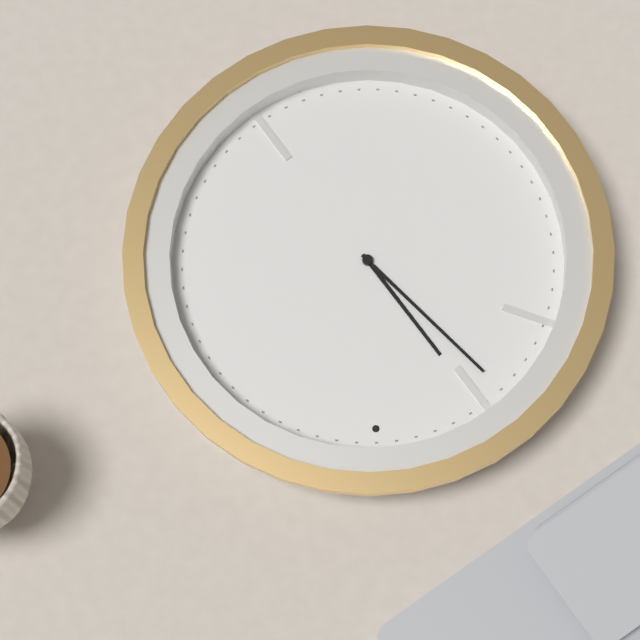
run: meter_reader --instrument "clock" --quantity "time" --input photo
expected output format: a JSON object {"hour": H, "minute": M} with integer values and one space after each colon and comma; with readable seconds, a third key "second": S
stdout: {"hour": 10, "minute": 53}
